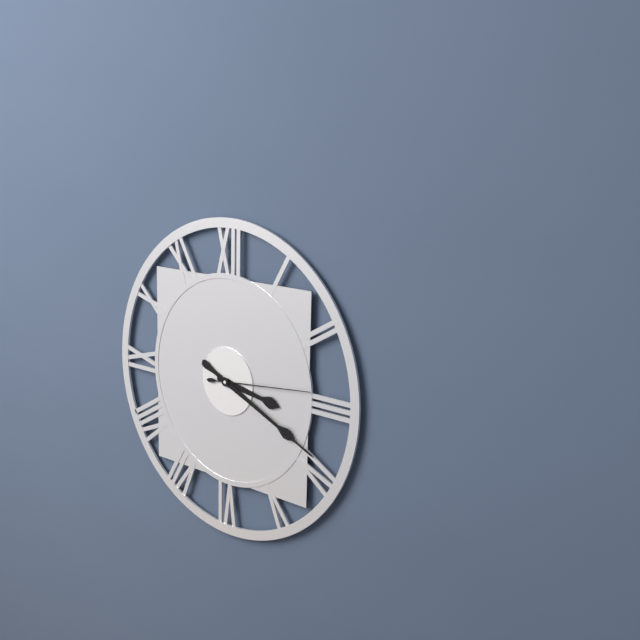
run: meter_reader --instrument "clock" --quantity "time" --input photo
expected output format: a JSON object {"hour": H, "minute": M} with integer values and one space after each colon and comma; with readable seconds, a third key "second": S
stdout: {"hour": 3, "minute": 19, "second": 14}
